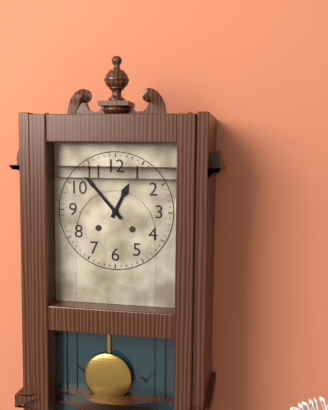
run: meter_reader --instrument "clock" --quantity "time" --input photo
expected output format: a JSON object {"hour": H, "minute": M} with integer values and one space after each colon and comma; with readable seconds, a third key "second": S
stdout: {"hour": 12, "minute": 53}
